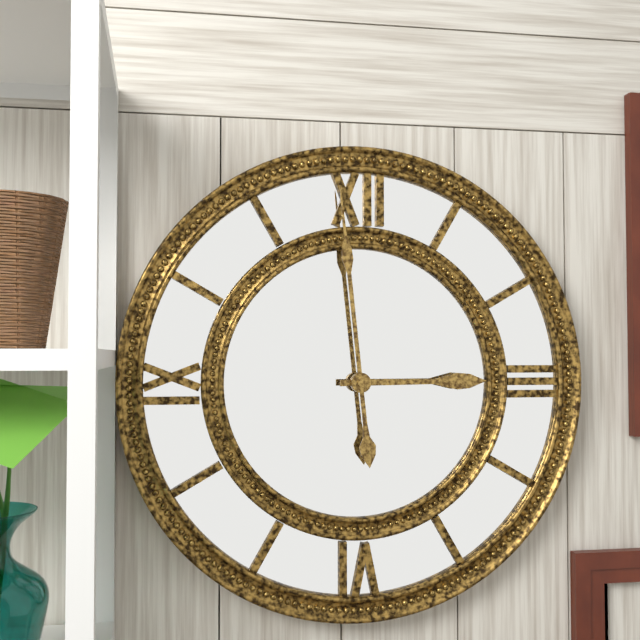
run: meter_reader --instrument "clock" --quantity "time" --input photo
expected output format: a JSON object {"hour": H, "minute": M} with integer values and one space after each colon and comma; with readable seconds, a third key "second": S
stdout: {"hour": 2, "minute": 59}
